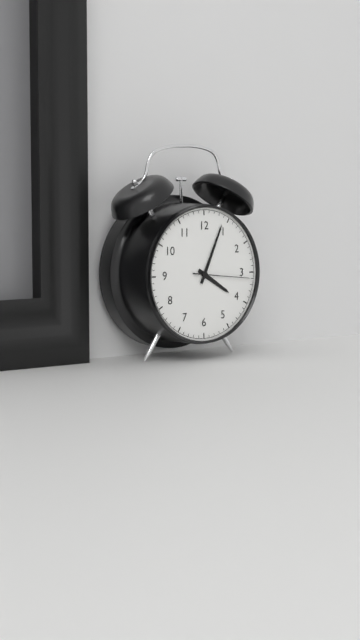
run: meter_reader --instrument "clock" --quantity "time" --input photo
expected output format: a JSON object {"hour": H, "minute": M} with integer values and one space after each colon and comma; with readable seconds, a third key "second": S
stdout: {"hour": 4, "minute": 4, "second": 16}
